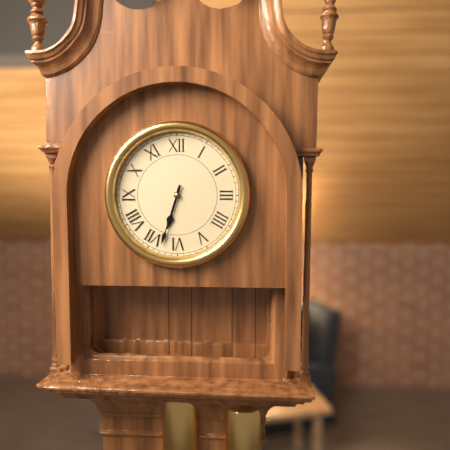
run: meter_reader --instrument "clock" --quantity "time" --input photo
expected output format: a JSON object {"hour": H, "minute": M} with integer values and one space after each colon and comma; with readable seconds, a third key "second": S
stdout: {"hour": 6, "minute": 33}
